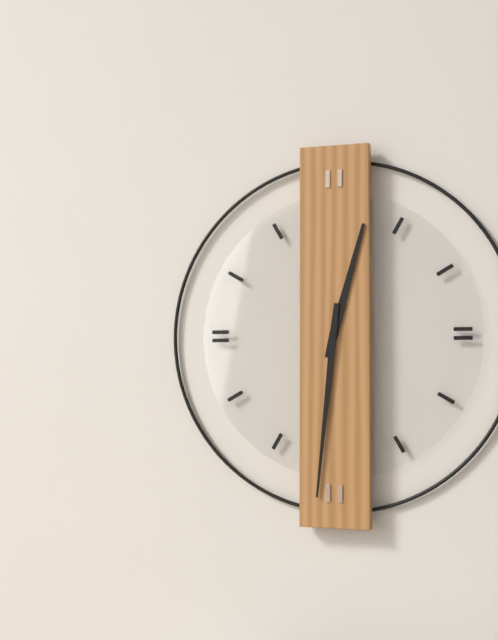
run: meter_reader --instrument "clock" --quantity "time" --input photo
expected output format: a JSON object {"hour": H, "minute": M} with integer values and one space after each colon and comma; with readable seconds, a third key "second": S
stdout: {"hour": 12, "minute": 31}
